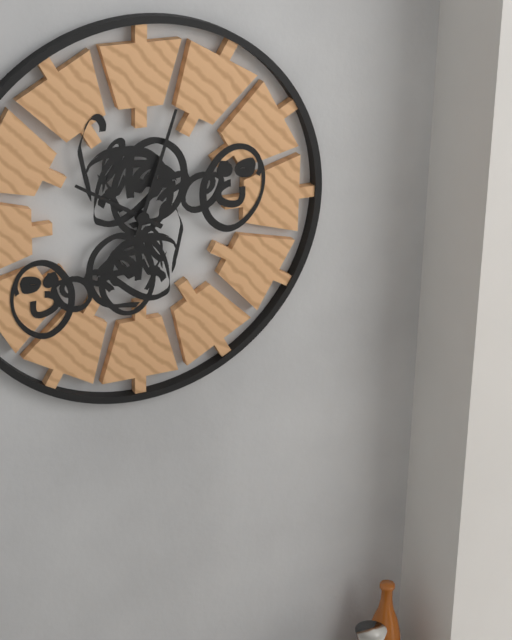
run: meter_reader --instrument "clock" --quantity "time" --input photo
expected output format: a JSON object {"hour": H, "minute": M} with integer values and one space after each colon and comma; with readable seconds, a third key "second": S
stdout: {"hour": 10, "minute": 3}
